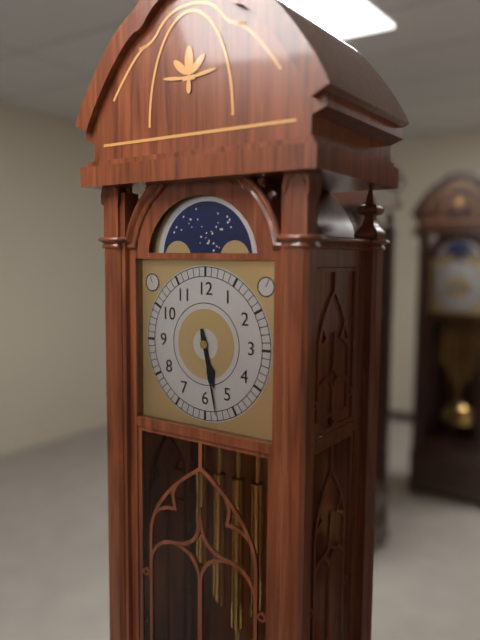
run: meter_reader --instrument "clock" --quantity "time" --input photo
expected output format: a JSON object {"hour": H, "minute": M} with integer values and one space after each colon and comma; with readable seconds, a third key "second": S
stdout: {"hour": 5, "minute": 28}
